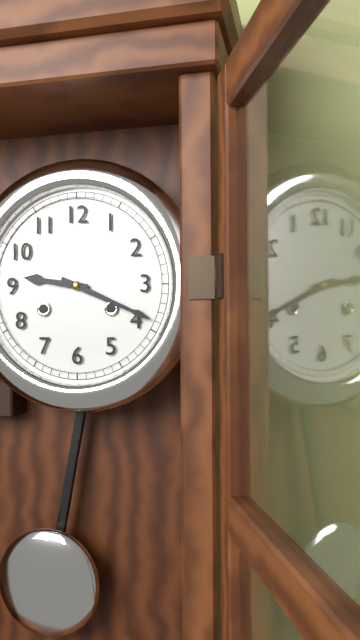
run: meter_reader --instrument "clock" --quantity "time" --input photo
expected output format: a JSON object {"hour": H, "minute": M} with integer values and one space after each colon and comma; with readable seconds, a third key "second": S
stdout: {"hour": 9, "minute": 19}
